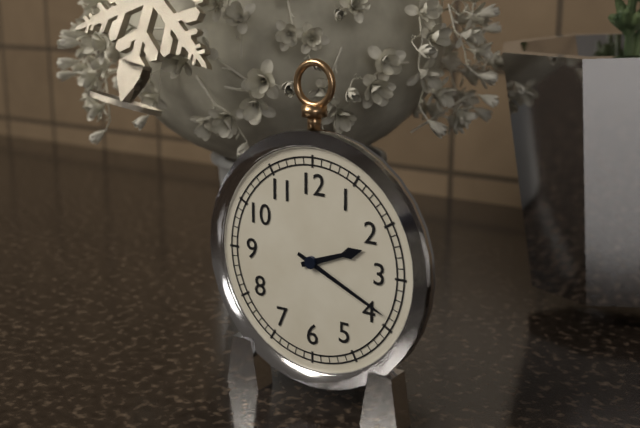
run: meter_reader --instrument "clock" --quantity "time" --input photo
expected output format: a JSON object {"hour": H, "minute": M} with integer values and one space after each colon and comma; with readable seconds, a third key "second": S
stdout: {"hour": 2, "minute": 19}
